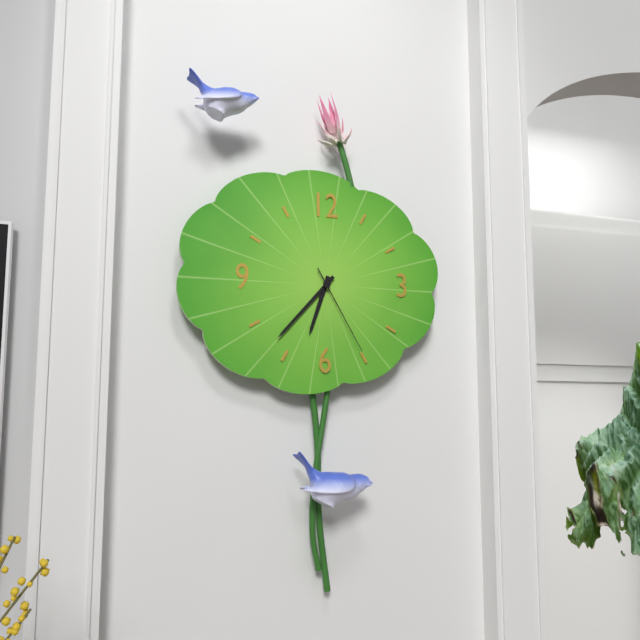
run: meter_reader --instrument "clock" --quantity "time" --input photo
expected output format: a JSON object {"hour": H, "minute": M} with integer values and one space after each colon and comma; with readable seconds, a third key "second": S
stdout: {"hour": 6, "minute": 37, "second": 25}
